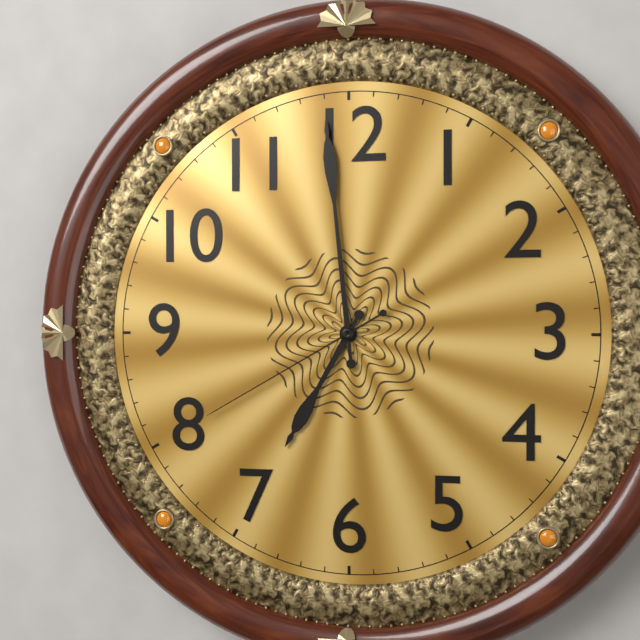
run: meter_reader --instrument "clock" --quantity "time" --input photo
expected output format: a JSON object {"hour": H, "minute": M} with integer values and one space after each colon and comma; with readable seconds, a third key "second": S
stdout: {"hour": 6, "minute": 59, "second": 40}
